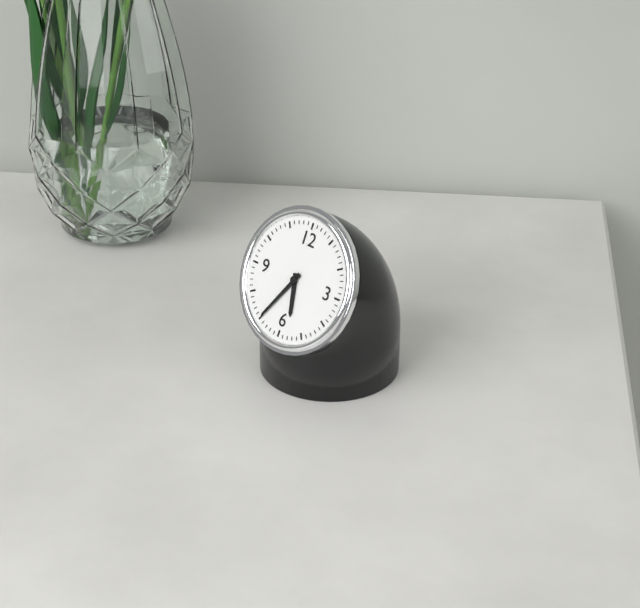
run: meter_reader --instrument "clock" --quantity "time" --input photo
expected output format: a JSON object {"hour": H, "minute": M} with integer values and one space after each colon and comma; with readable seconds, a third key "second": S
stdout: {"hour": 5, "minute": 35}
